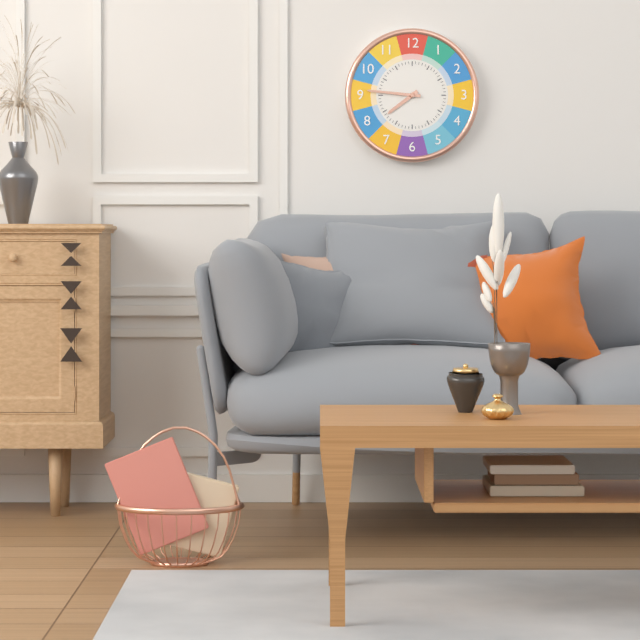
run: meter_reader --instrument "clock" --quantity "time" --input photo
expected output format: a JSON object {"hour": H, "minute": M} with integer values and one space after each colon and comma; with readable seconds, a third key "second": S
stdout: {"hour": 7, "minute": 46}
